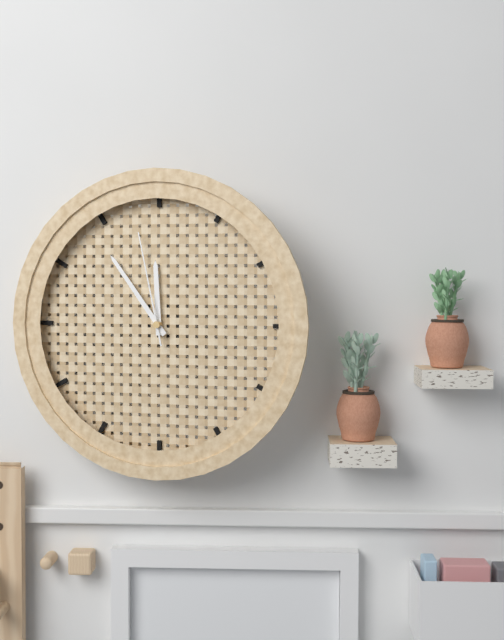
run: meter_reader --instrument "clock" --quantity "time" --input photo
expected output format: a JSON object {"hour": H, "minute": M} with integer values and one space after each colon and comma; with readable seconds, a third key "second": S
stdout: {"hour": 11, "minute": 54, "second": 58}
